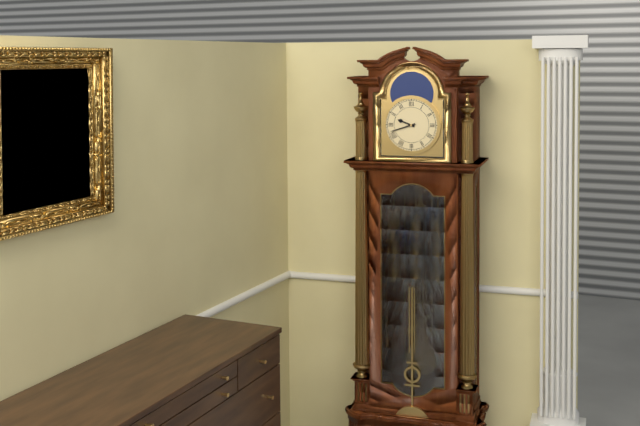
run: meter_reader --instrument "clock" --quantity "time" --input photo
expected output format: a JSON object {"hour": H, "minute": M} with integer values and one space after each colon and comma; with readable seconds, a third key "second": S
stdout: {"hour": 9, "minute": 42}
